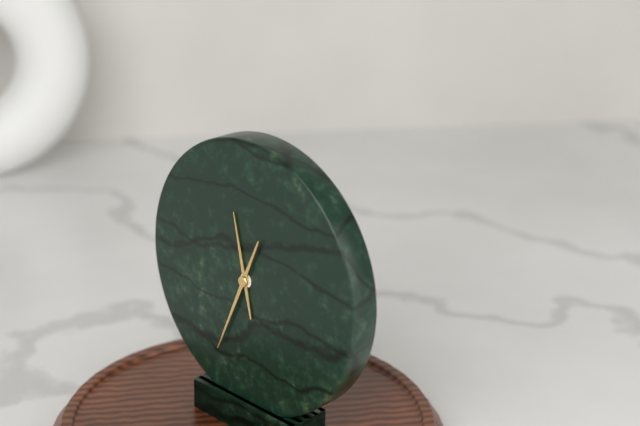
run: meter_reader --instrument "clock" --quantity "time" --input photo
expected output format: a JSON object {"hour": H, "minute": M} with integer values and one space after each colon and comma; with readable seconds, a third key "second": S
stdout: {"hour": 11, "minute": 34}
